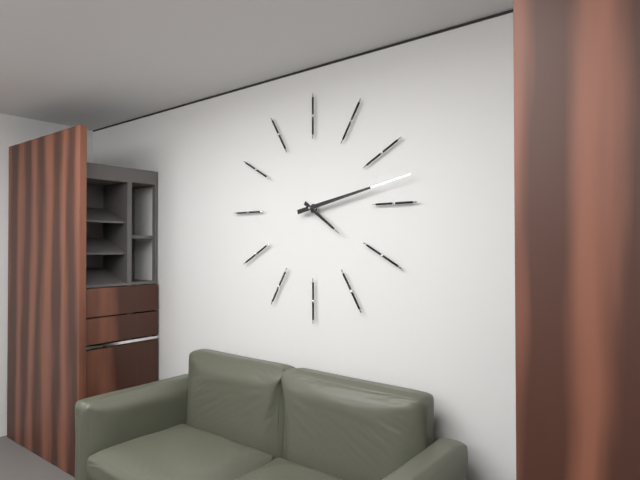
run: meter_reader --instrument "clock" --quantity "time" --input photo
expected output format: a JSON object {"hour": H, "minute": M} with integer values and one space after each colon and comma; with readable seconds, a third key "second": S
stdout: {"hour": 4, "minute": 13}
